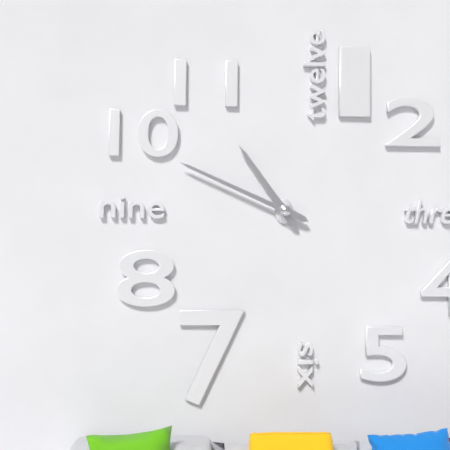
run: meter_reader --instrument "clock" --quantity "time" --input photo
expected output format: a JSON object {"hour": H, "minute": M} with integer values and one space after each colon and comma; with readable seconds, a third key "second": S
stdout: {"hour": 10, "minute": 49}
